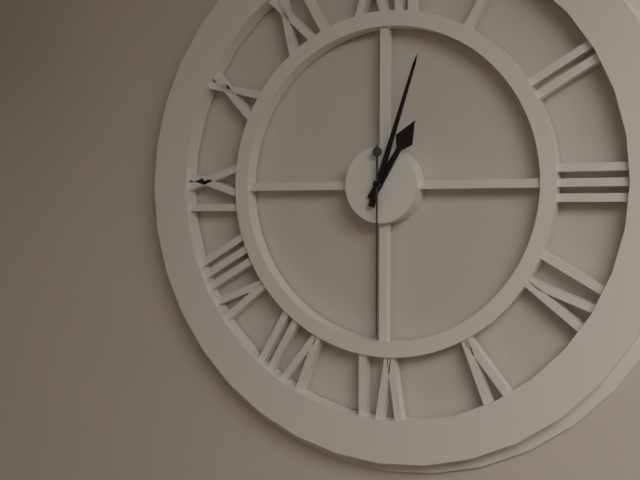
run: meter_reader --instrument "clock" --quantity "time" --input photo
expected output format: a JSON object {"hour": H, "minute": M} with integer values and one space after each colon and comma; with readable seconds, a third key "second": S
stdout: {"hour": 1, "minute": 3, "second": 30}
